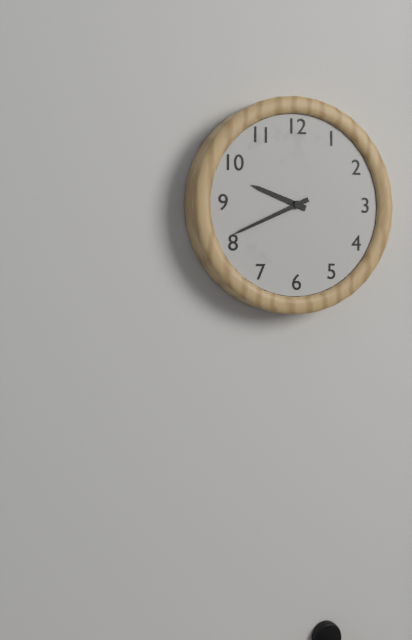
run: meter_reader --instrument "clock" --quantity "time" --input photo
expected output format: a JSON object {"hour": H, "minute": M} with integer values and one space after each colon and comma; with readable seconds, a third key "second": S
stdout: {"hour": 9, "minute": 41}
